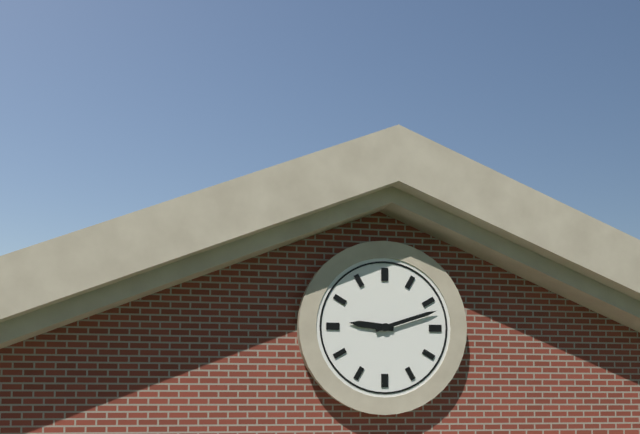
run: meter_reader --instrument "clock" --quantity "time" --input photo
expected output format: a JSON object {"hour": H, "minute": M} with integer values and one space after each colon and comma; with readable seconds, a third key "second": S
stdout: {"hour": 9, "minute": 12}
